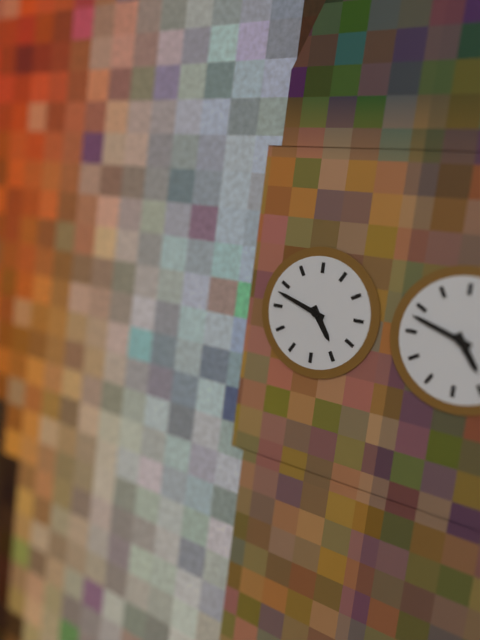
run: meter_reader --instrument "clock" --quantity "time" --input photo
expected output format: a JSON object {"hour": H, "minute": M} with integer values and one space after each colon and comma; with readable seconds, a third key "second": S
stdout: {"hour": 4, "minute": 48}
